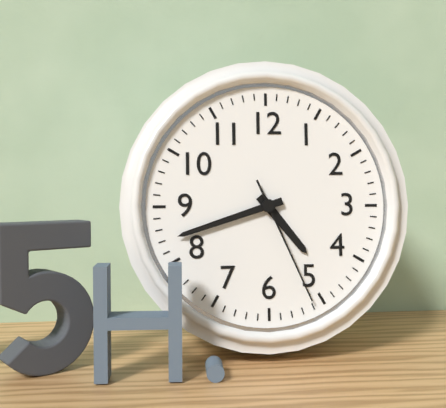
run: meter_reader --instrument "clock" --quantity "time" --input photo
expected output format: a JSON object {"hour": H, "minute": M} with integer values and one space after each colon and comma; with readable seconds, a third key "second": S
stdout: {"hour": 4, "minute": 42, "second": 26}
